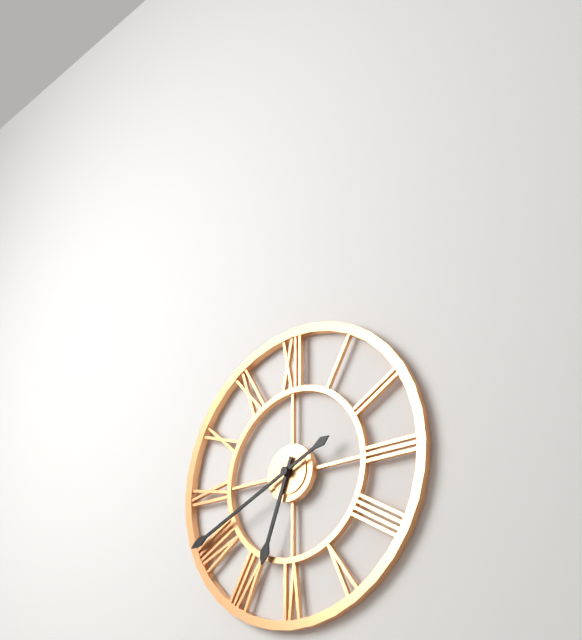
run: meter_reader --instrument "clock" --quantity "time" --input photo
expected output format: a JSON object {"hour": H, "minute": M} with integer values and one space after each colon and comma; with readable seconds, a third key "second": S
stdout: {"hour": 6, "minute": 41}
